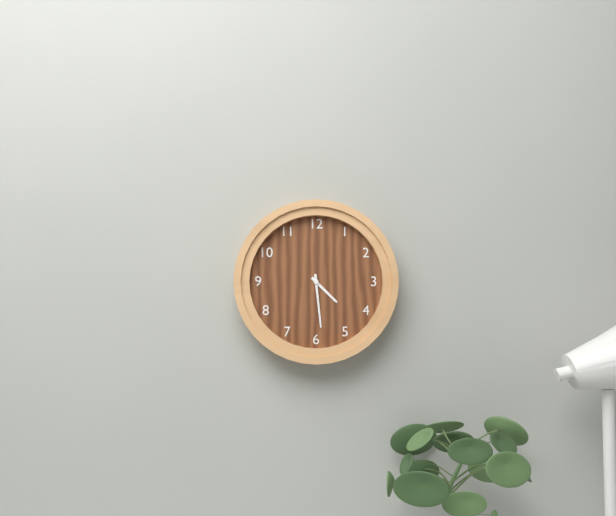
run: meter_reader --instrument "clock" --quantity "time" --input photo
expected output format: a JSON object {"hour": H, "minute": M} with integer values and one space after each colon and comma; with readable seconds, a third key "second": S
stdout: {"hour": 4, "minute": 29}
